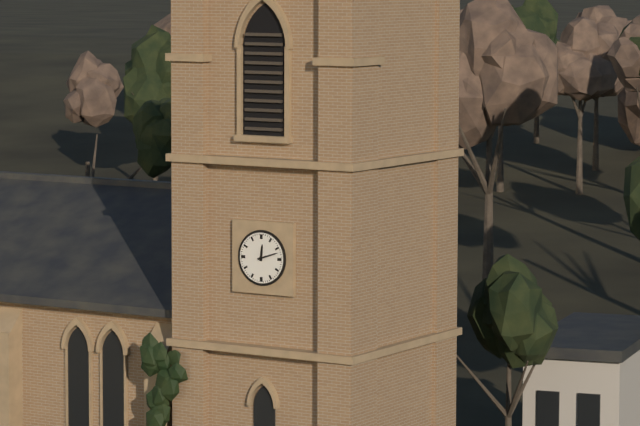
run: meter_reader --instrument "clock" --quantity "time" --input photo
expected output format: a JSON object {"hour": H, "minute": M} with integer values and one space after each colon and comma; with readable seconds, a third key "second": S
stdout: {"hour": 12, "minute": 12}
